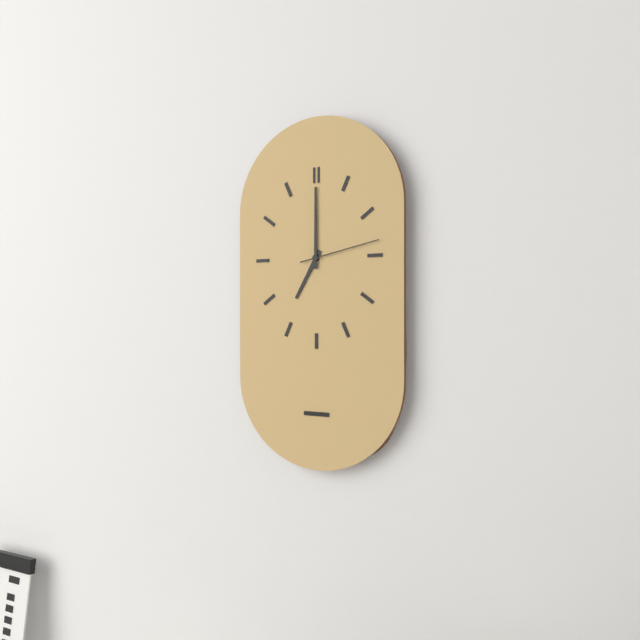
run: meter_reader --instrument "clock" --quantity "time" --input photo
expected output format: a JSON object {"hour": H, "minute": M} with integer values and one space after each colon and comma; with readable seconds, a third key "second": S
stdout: {"hour": 7, "minute": 0, "second": 13}
